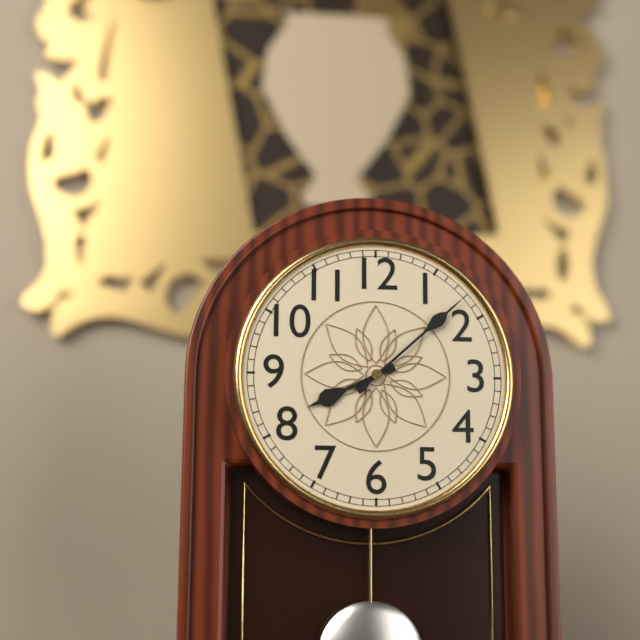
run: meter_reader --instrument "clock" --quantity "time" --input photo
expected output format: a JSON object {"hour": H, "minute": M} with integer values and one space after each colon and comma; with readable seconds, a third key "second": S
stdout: {"hour": 8, "minute": 8}
